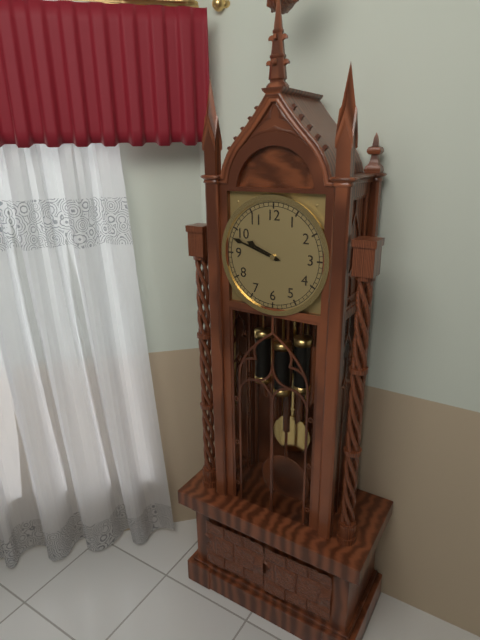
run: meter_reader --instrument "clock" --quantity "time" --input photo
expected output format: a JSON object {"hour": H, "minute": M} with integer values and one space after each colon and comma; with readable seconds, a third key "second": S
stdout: {"hour": 9, "minute": 48}
